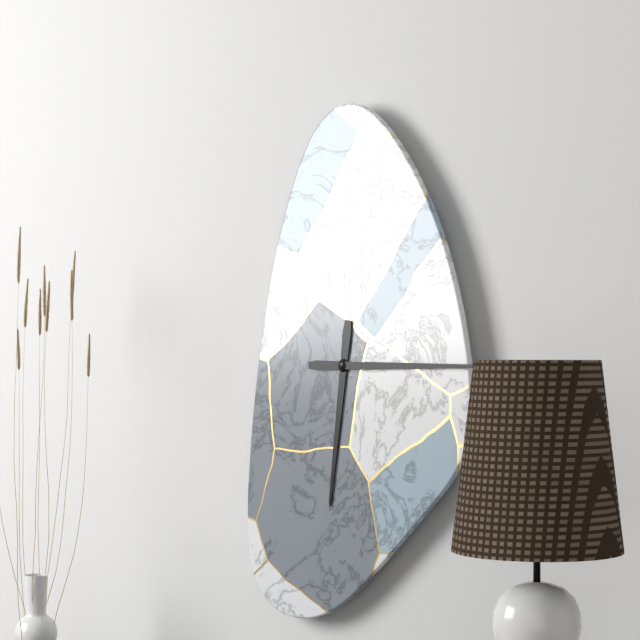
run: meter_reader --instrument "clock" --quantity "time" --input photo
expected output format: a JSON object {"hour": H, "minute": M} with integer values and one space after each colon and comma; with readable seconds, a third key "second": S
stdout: {"hour": 6, "minute": 15}
